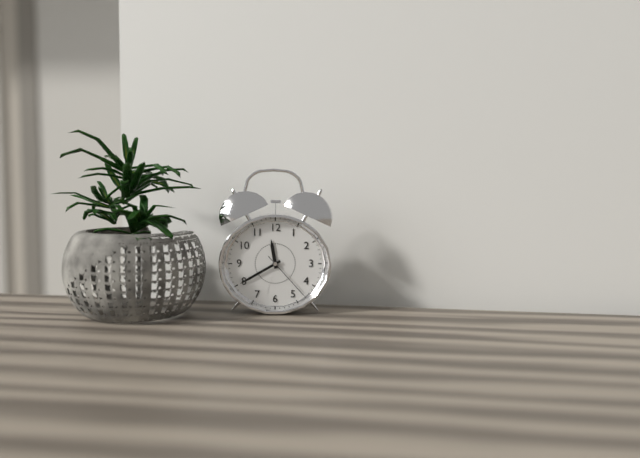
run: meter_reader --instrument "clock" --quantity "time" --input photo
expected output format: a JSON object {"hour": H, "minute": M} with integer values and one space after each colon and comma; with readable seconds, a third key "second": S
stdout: {"hour": 11, "minute": 40, "second": 23}
